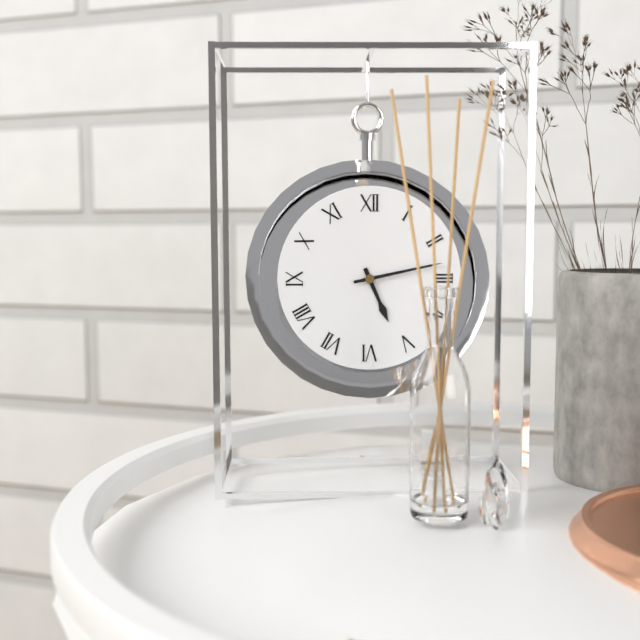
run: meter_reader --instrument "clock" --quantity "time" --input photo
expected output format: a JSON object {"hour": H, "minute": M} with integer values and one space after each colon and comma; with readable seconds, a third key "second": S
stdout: {"hour": 5, "minute": 13}
